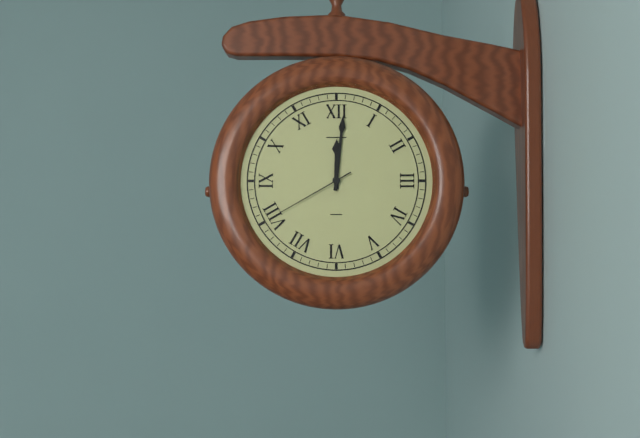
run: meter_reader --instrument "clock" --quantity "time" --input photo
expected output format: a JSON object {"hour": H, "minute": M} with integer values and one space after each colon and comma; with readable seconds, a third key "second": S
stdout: {"hour": 12, "minute": 1, "second": 40}
